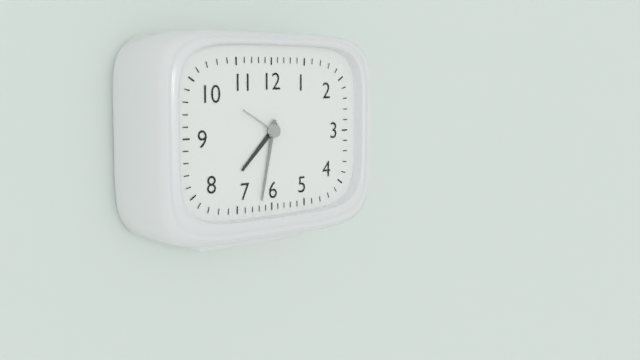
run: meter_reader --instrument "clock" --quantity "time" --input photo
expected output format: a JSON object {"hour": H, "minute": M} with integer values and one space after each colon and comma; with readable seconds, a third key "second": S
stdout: {"hour": 7, "minute": 32}
